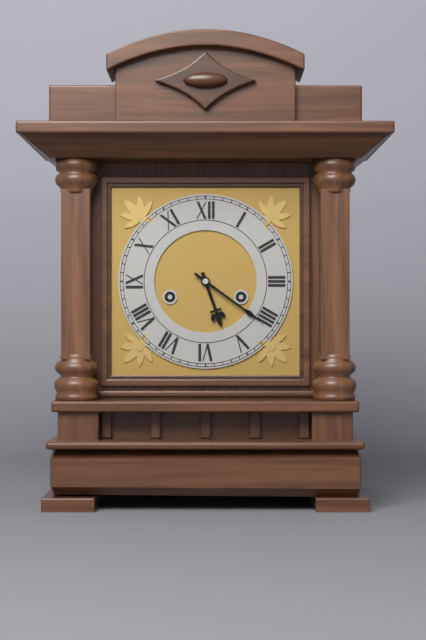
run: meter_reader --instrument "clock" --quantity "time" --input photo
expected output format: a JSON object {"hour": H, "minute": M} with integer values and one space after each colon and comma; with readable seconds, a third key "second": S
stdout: {"hour": 5, "minute": 21}
